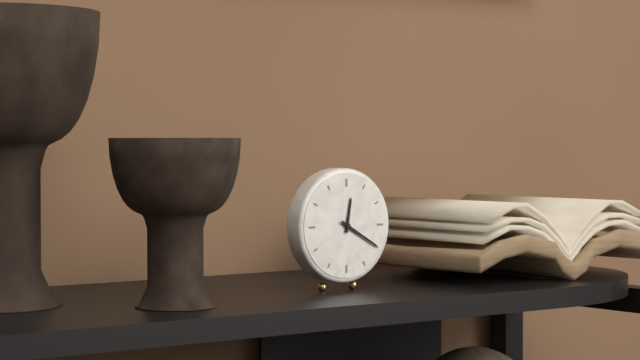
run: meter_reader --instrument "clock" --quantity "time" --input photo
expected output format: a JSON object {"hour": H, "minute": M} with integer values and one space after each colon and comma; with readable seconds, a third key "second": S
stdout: {"hour": 12, "minute": 20}
